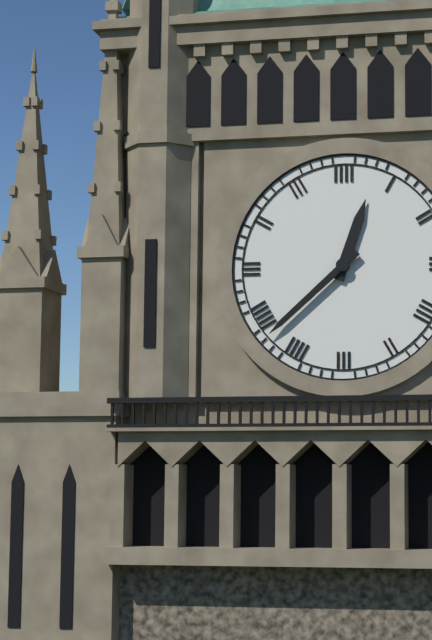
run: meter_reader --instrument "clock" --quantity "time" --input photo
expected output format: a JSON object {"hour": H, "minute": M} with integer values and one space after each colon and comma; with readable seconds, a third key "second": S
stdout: {"hour": 12, "minute": 38}
